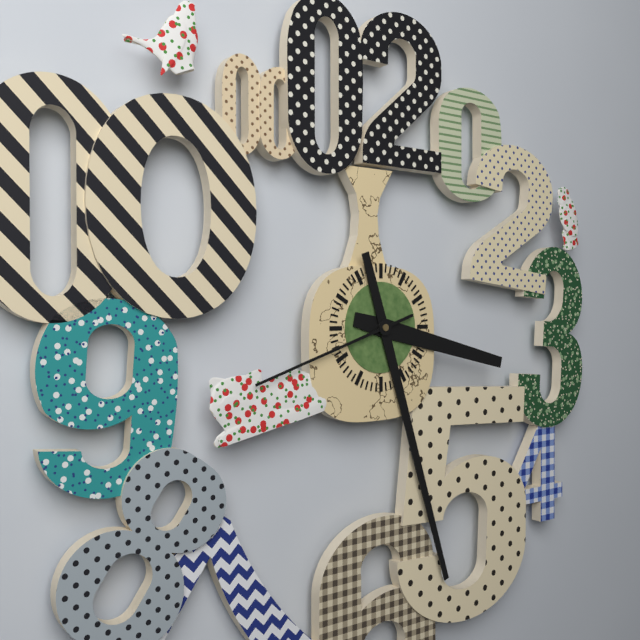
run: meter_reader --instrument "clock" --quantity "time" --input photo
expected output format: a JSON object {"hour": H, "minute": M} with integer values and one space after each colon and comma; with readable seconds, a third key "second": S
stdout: {"hour": 3, "minute": 27, "second": 42}
